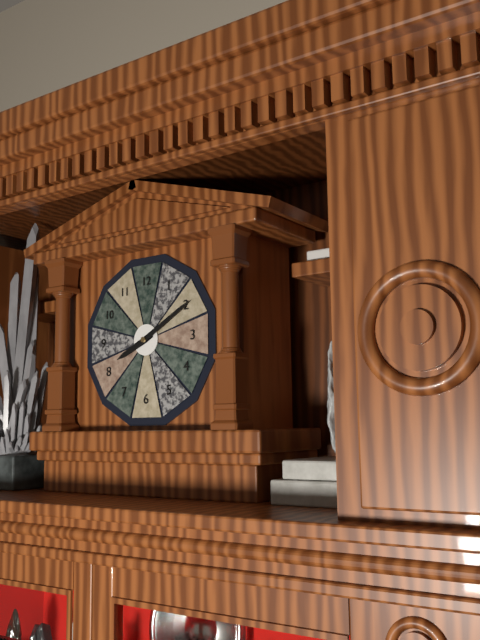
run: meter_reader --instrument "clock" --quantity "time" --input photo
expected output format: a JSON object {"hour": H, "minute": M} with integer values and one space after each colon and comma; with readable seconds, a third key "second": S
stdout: {"hour": 8, "minute": 10}
